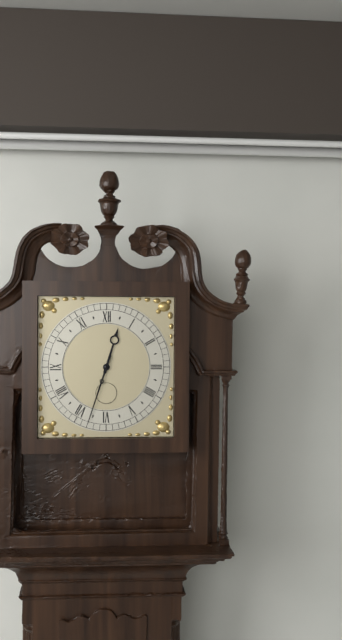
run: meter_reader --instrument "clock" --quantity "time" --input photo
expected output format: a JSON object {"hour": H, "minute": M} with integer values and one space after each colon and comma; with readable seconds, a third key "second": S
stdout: {"hour": 12, "minute": 33}
